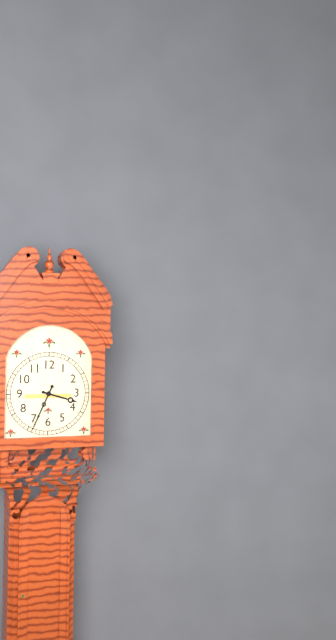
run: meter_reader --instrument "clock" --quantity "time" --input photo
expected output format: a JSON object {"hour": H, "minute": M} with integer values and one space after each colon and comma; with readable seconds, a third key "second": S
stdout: {"hour": 3, "minute": 34}
